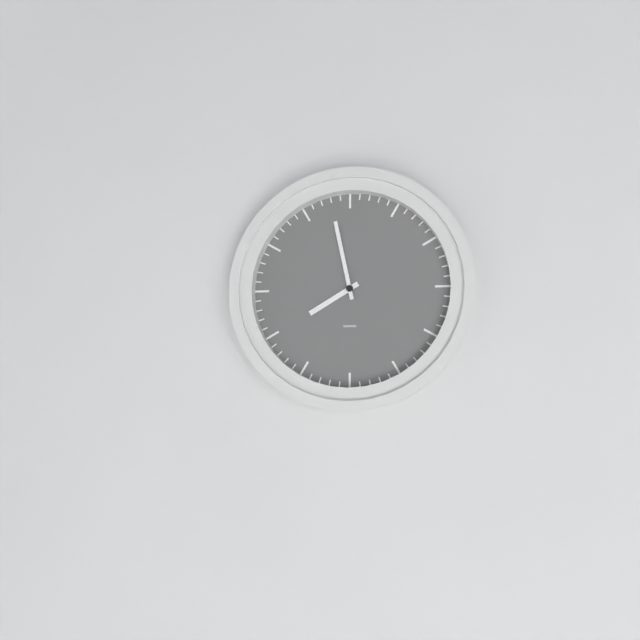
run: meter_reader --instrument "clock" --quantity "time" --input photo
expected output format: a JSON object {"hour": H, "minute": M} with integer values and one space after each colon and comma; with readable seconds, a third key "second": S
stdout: {"hour": 7, "minute": 58}
